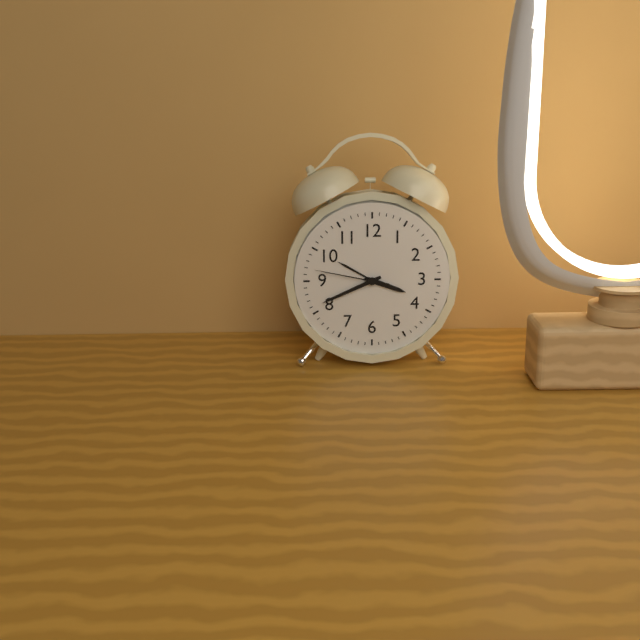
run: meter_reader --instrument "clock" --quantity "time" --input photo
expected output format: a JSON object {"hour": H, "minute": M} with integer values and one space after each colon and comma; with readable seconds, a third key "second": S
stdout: {"hour": 3, "minute": 41, "second": 47}
